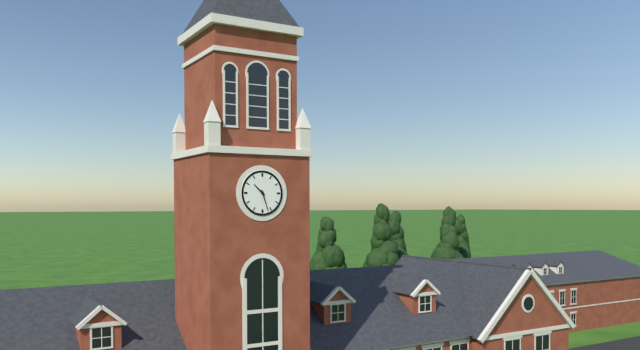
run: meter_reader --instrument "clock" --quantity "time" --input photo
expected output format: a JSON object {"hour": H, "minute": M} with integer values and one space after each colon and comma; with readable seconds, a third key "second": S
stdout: {"hour": 10, "minute": 27}
